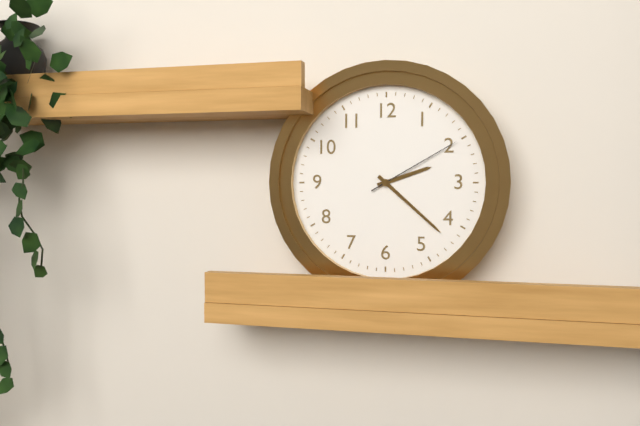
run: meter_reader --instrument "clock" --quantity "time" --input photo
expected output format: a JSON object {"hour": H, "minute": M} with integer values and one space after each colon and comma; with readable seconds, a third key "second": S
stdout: {"hour": 2, "minute": 22, "second": 10}
